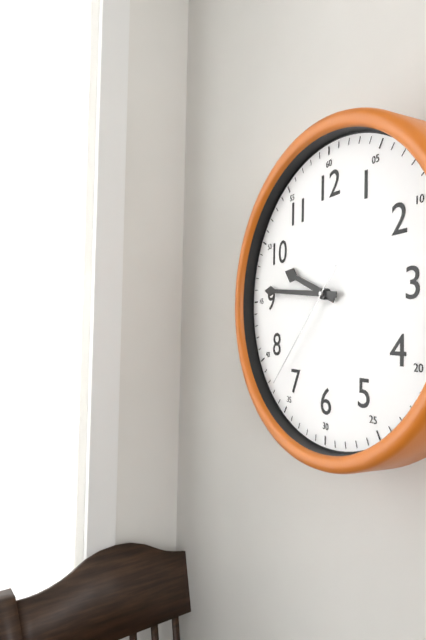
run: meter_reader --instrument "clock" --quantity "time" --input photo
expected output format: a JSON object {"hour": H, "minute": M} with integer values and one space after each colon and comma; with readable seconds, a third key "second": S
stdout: {"hour": 9, "minute": 46, "second": 37}
